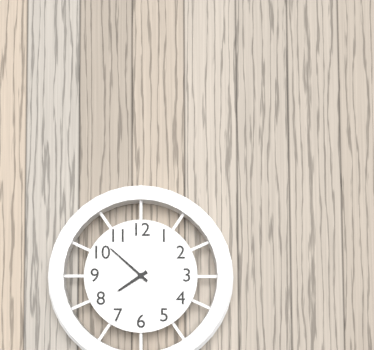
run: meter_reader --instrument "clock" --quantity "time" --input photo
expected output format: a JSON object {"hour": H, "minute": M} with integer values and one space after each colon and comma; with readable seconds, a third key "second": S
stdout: {"hour": 7, "minute": 52}
